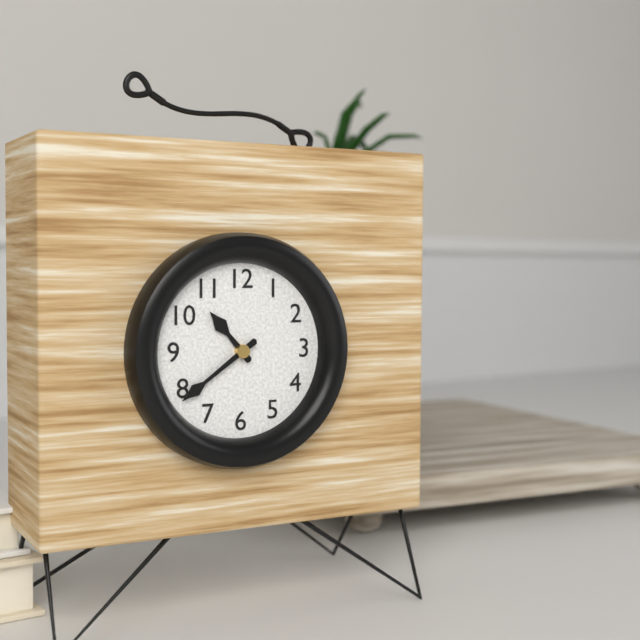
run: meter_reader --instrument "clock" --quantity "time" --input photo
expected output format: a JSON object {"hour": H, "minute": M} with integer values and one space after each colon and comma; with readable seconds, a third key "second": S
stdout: {"hour": 10, "minute": 39}
